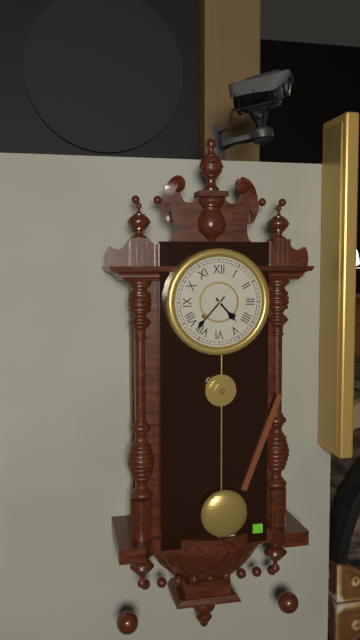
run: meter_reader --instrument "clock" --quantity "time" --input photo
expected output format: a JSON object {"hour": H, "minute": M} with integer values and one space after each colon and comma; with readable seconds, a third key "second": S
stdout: {"hour": 4, "minute": 37}
